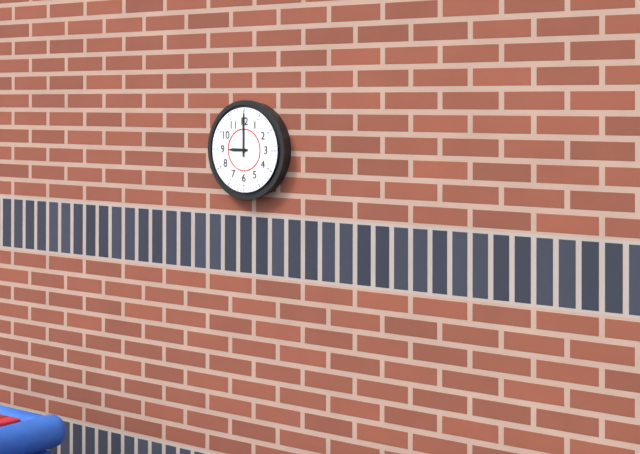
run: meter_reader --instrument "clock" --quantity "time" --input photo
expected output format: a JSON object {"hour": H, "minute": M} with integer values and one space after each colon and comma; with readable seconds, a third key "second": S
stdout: {"hour": 9, "minute": 0}
